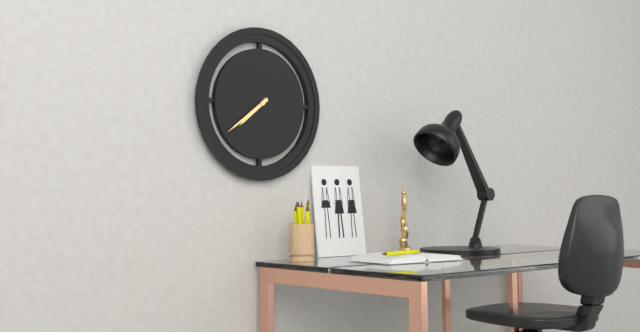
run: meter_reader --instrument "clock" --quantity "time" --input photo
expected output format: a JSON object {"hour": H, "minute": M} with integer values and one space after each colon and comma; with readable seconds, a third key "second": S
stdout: {"hour": 7, "minute": 39}
